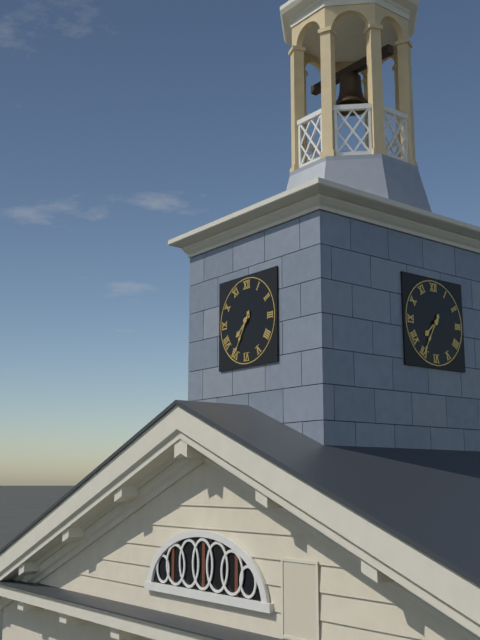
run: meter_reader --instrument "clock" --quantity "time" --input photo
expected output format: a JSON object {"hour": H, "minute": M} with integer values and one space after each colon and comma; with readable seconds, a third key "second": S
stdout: {"hour": 7, "minute": 35}
